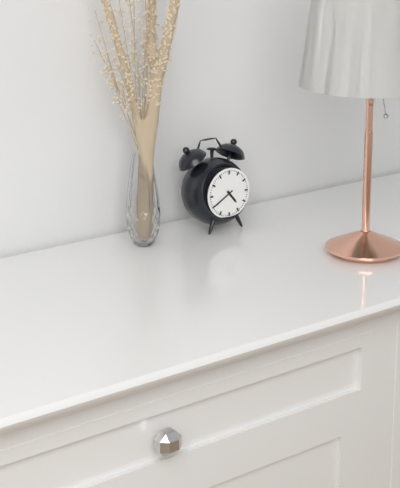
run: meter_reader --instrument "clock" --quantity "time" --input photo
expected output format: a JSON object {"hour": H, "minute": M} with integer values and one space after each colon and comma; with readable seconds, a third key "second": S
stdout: {"hour": 4, "minute": 40}
